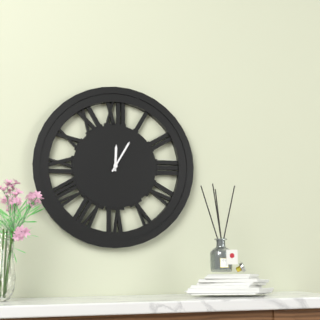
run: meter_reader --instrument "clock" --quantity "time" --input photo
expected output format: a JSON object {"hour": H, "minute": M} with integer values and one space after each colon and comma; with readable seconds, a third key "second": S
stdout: {"hour": 12, "minute": 5}
